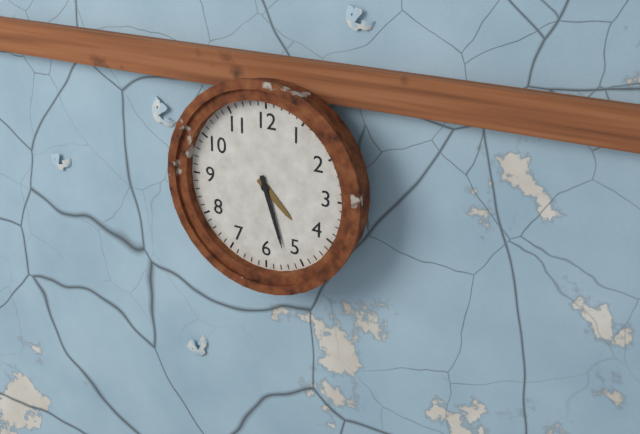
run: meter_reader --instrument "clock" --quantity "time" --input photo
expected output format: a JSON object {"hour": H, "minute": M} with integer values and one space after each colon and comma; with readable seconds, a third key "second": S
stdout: {"hour": 4, "minute": 27}
